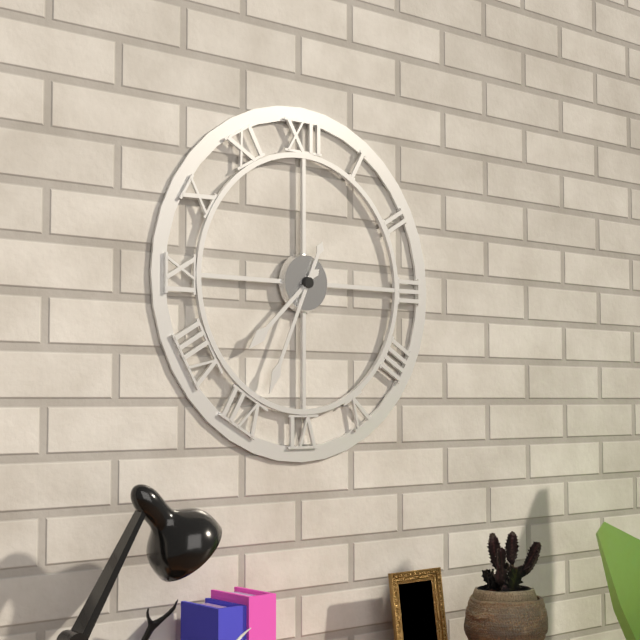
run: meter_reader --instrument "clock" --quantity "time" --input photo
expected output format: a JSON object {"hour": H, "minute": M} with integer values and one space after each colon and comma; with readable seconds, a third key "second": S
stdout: {"hour": 7, "minute": 34}
